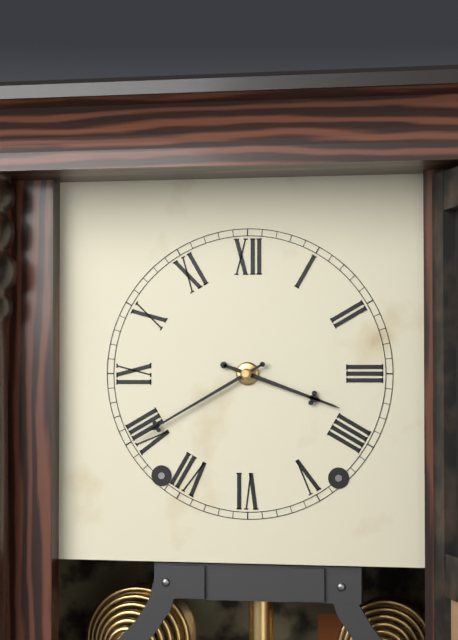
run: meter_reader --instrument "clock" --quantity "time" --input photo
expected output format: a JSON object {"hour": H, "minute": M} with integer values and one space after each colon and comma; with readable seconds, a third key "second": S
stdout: {"hour": 3, "minute": 40}
